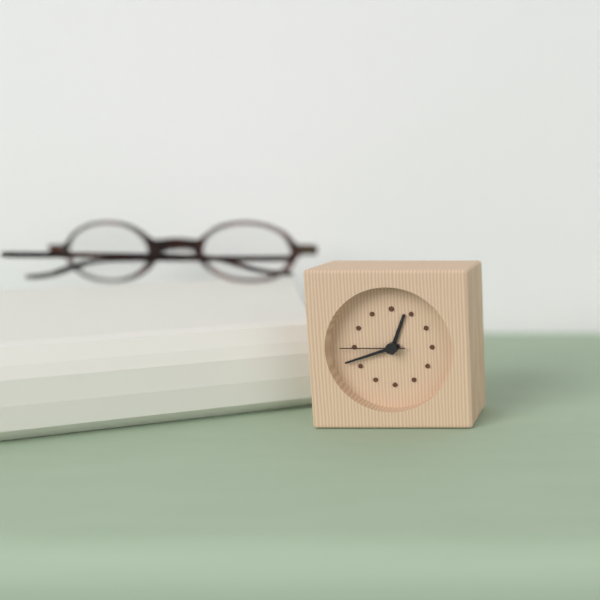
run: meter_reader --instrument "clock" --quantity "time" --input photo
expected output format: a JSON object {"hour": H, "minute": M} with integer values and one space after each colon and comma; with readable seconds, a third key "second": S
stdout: {"hour": 12, "minute": 42, "second": 45}
